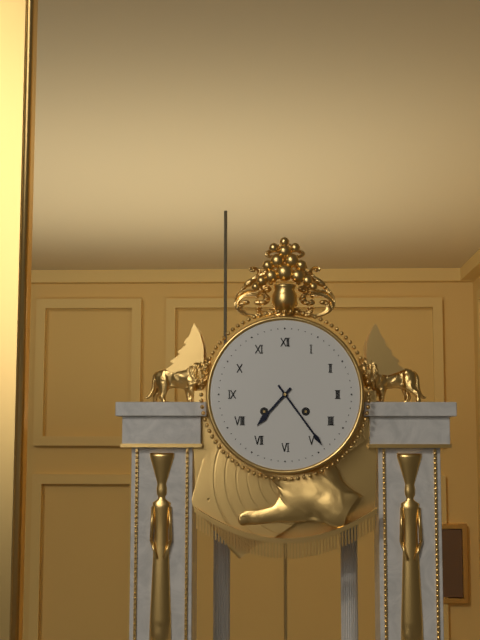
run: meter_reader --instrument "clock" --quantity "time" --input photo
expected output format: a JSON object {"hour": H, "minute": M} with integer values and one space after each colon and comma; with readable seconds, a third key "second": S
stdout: {"hour": 7, "minute": 24}
